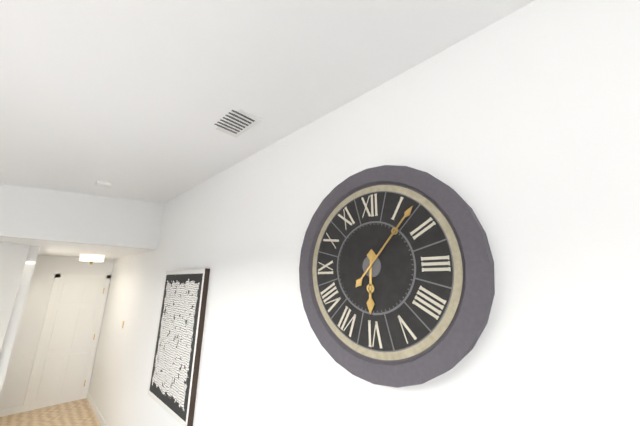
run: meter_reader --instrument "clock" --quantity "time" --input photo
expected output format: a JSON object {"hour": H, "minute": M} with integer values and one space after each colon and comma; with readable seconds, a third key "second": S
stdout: {"hour": 6, "minute": 7}
